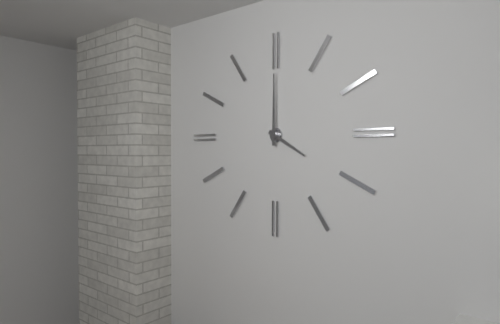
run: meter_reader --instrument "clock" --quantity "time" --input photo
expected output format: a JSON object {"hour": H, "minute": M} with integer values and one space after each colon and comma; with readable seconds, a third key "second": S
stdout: {"hour": 4, "minute": 0}
